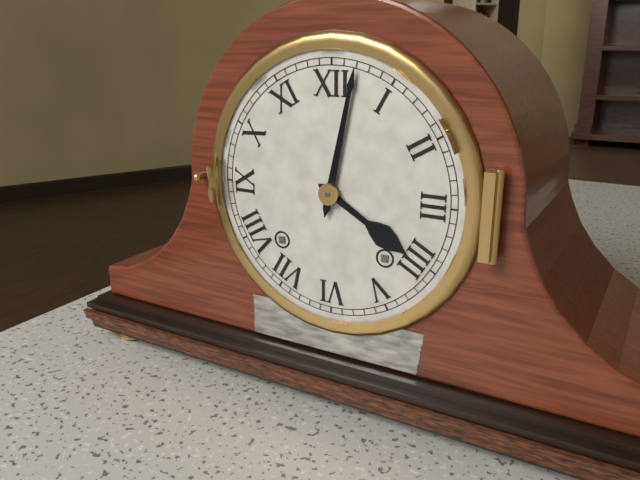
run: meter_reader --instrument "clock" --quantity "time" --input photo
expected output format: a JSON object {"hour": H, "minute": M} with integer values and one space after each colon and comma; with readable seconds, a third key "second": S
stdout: {"hour": 4, "minute": 2}
